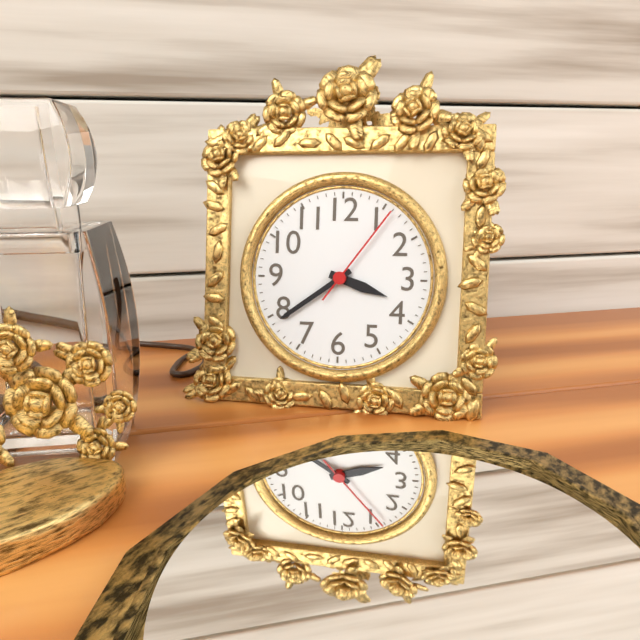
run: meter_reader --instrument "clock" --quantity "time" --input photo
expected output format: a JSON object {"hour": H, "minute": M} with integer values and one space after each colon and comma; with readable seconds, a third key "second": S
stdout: {"hour": 3, "minute": 39, "second": 6}
